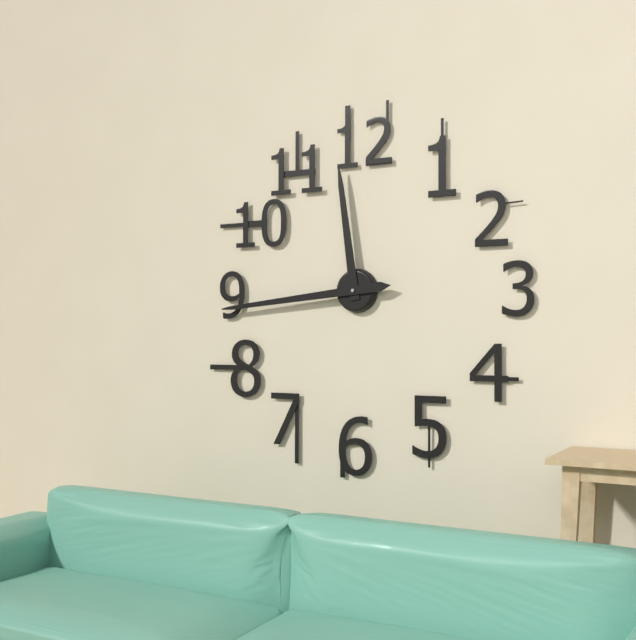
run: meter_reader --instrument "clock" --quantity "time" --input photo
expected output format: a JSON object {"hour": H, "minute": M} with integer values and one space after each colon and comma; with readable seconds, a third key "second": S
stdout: {"hour": 11, "minute": 44}
